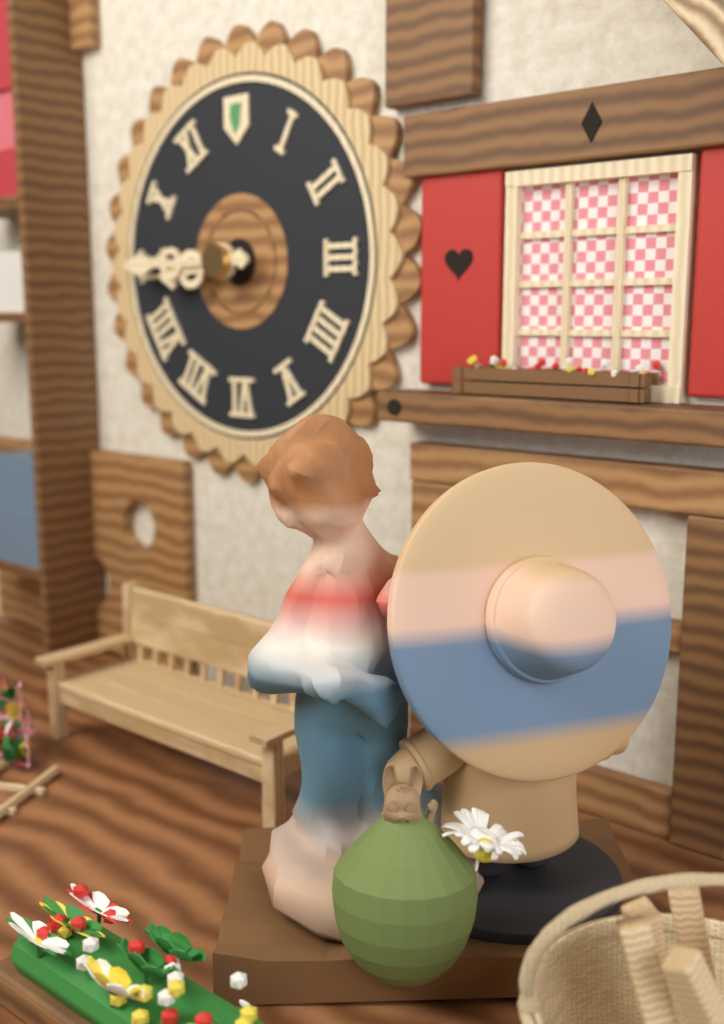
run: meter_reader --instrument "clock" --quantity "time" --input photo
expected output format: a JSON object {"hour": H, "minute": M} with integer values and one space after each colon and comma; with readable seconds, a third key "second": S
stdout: {"hour": 8, "minute": 45}
